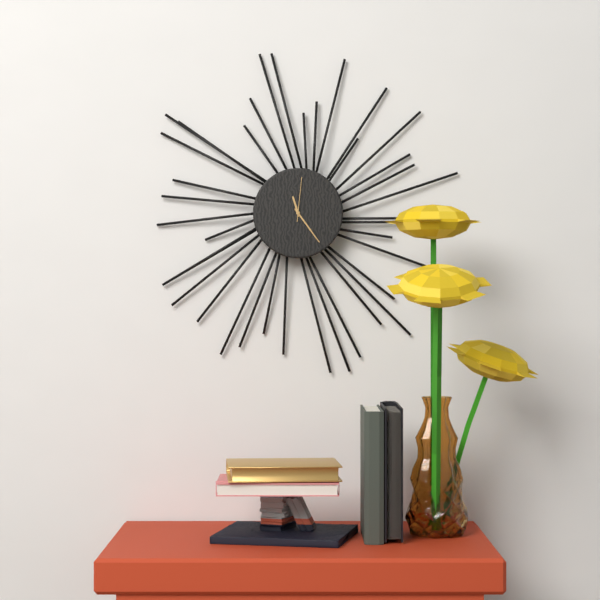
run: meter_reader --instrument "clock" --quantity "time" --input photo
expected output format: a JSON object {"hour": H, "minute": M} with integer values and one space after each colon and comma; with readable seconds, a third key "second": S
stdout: {"hour": 11, "minute": 24}
